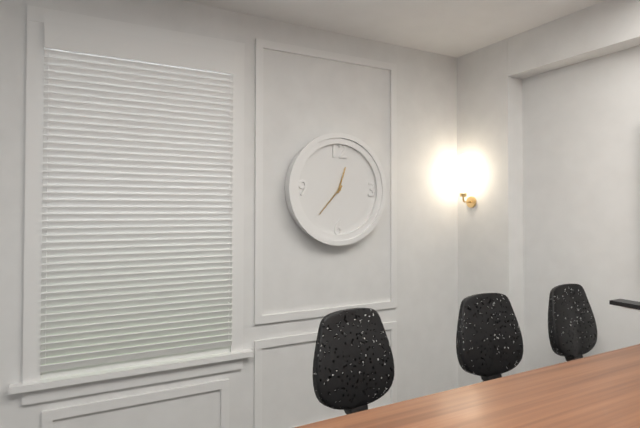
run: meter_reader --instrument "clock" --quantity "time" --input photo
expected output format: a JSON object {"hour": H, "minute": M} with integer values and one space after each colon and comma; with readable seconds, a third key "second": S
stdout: {"hour": 12, "minute": 37}
